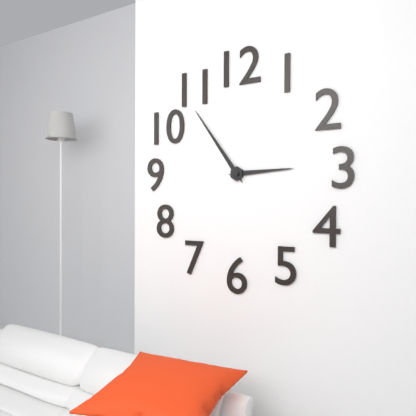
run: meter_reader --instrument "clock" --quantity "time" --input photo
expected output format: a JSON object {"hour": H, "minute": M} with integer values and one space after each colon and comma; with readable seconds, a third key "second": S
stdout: {"hour": 2, "minute": 54}
